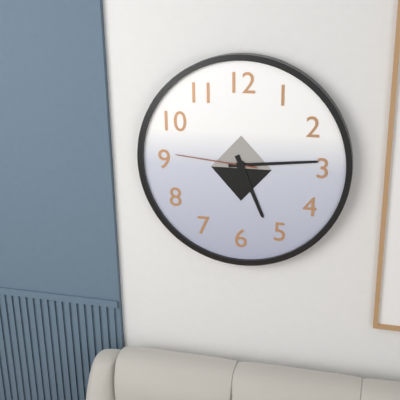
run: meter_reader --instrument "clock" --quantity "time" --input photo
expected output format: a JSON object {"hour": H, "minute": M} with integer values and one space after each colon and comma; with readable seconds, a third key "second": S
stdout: {"hour": 5, "minute": 14, "second": 46}
